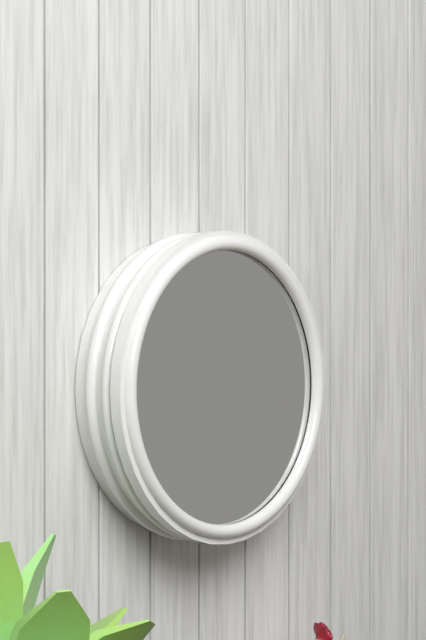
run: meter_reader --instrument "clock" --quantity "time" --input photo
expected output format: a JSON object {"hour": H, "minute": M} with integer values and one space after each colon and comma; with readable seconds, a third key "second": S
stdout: {"hour": 11, "minute": 4, "second": 27}
